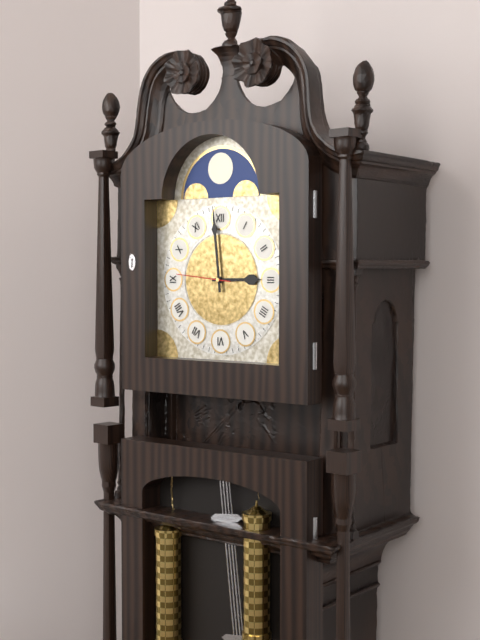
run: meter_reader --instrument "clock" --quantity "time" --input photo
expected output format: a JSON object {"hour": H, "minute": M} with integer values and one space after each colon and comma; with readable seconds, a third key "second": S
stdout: {"hour": 2, "minute": 59, "second": 46}
